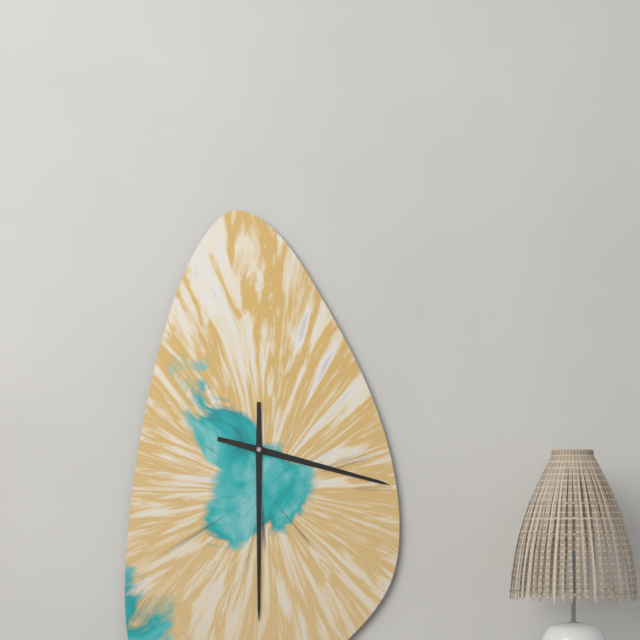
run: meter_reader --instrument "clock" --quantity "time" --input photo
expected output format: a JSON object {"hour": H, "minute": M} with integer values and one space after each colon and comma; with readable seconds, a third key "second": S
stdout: {"hour": 3, "minute": 30}
